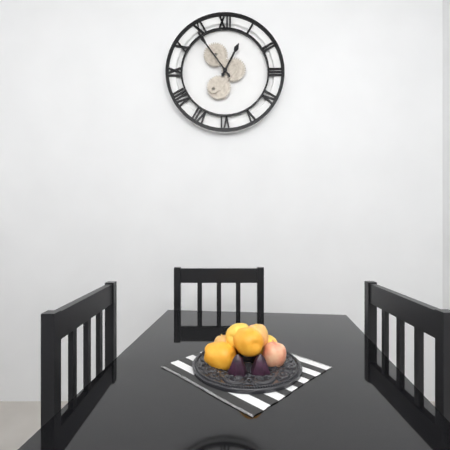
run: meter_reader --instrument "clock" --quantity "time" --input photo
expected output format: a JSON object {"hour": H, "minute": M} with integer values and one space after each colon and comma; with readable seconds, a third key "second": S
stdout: {"hour": 12, "minute": 54}
